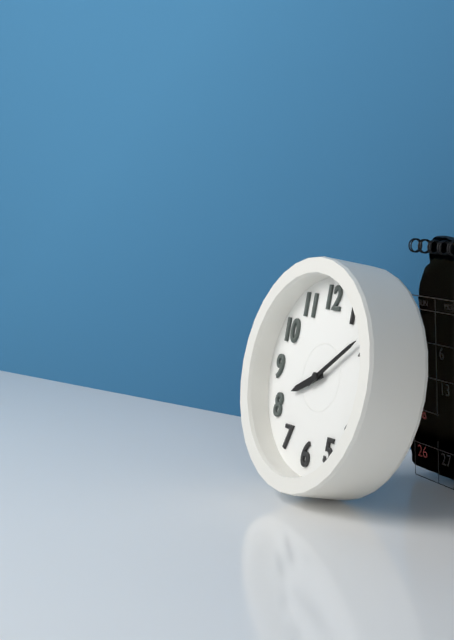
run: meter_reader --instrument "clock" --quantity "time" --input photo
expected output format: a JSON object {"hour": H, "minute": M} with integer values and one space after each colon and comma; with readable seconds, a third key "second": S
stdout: {"hour": 8, "minute": 9}
